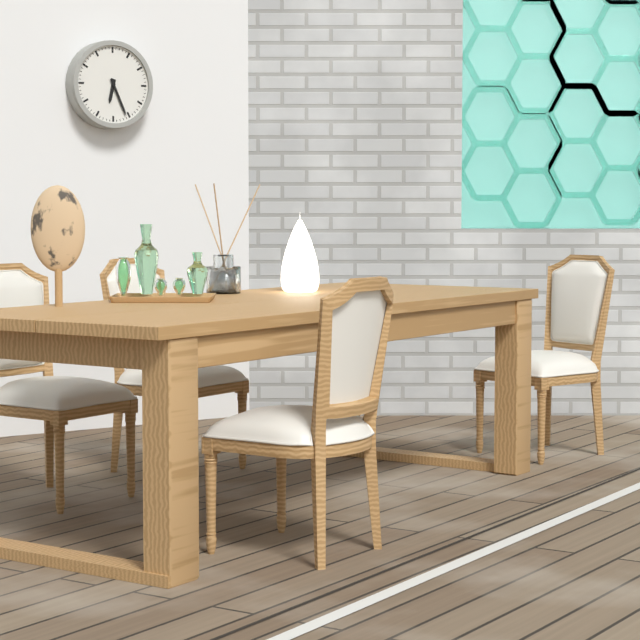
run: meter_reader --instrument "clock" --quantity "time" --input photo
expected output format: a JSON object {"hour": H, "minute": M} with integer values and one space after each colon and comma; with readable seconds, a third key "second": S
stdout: {"hour": 6, "minute": 26}
